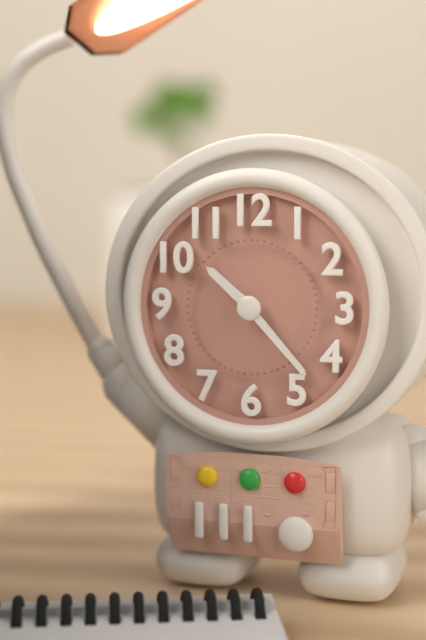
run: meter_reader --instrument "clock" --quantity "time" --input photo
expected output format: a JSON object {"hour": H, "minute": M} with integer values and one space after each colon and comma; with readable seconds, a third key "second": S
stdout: {"hour": 10, "minute": 23}
